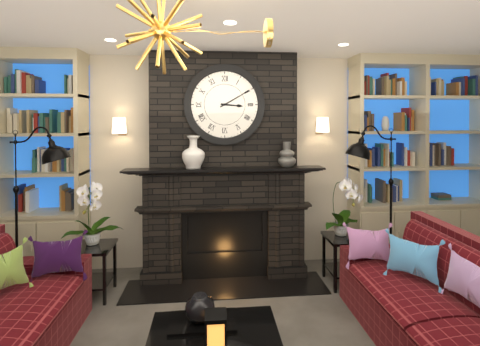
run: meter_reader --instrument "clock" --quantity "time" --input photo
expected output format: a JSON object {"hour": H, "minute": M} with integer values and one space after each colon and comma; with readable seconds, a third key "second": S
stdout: {"hour": 3, "minute": 10}
